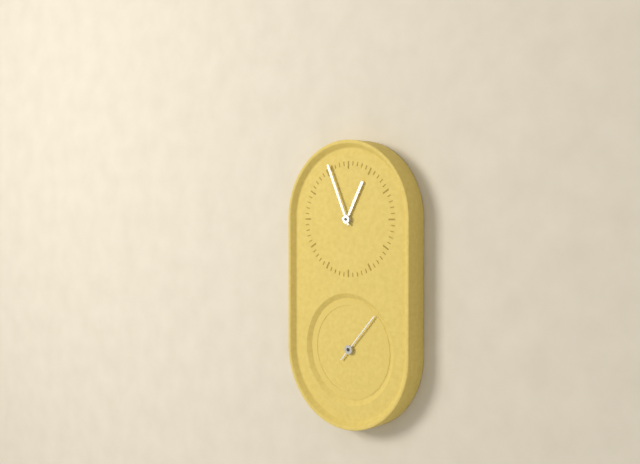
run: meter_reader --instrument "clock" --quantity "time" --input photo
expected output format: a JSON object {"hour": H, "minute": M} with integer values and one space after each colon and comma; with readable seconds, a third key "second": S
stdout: {"hour": 12, "minute": 56, "second": 7}
